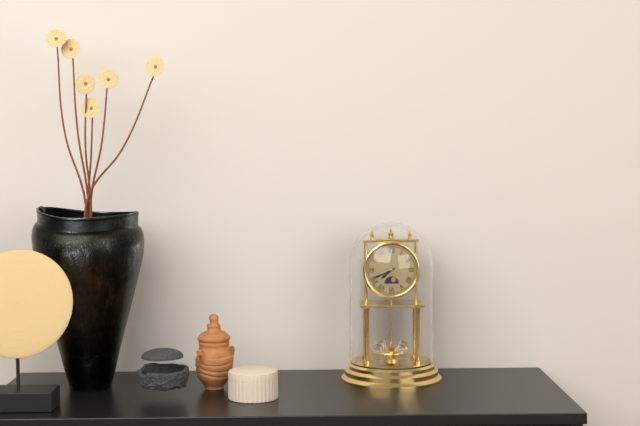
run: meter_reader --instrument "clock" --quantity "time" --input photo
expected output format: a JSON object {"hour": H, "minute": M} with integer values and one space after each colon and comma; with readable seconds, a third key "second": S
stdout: {"hour": 7, "minute": 41}
